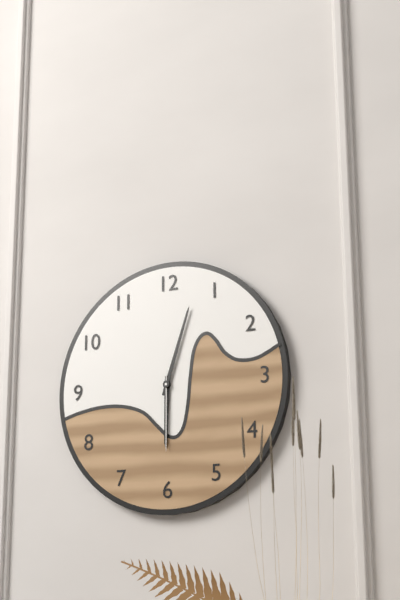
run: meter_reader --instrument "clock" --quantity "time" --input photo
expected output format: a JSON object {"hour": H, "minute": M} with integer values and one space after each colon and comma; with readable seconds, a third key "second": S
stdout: {"hour": 6, "minute": 3, "second": 30}
